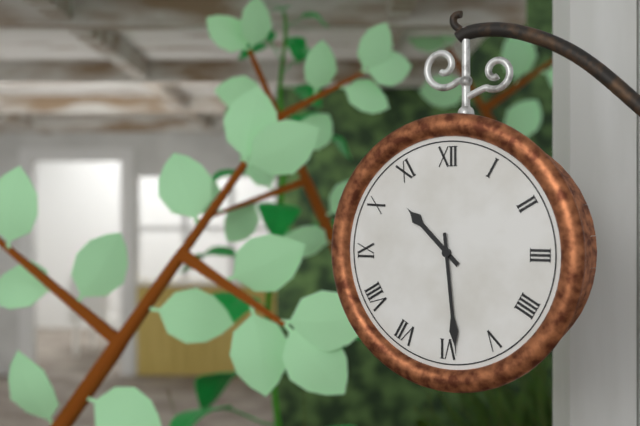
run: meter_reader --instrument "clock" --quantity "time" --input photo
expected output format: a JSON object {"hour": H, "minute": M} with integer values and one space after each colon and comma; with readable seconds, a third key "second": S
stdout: {"hour": 10, "minute": 29}
